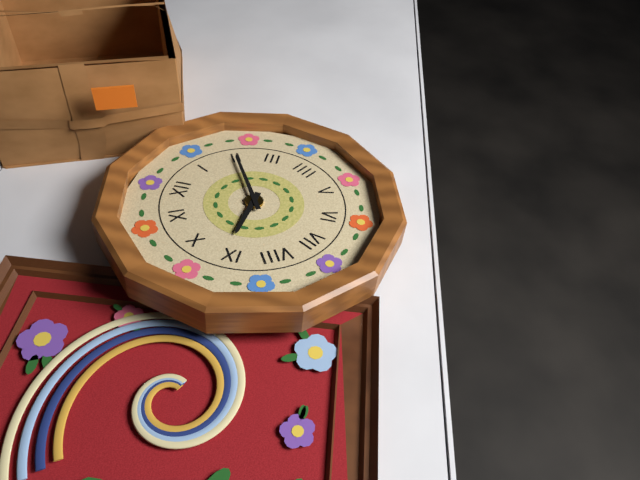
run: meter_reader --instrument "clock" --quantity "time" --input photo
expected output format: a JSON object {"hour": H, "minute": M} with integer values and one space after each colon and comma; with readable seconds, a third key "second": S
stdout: {"hour": 9, "minute": 10}
